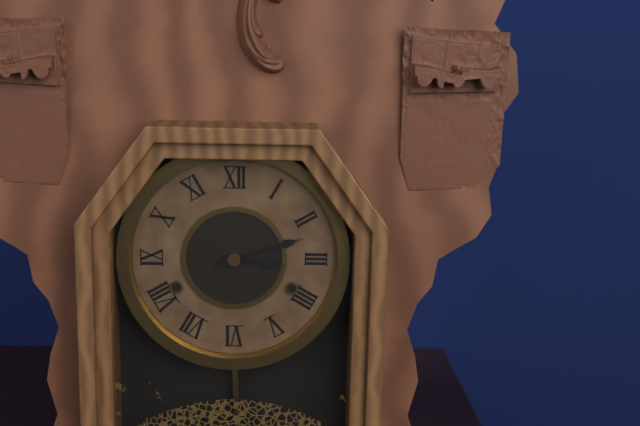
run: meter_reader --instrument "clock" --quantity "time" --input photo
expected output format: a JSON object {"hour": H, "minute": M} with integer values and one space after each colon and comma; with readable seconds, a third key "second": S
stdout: {"hour": 3, "minute": 12}
